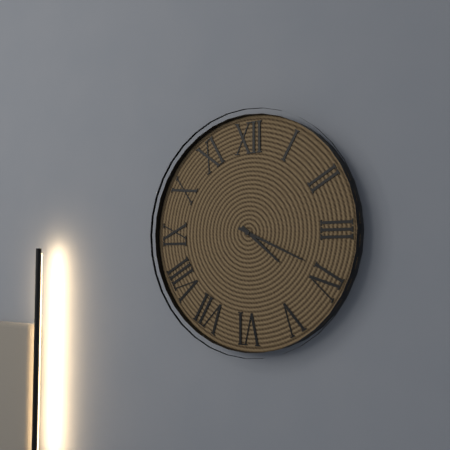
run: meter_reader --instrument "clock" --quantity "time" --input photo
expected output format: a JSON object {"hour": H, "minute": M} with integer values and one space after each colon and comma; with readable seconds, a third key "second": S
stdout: {"hour": 4, "minute": 19}
